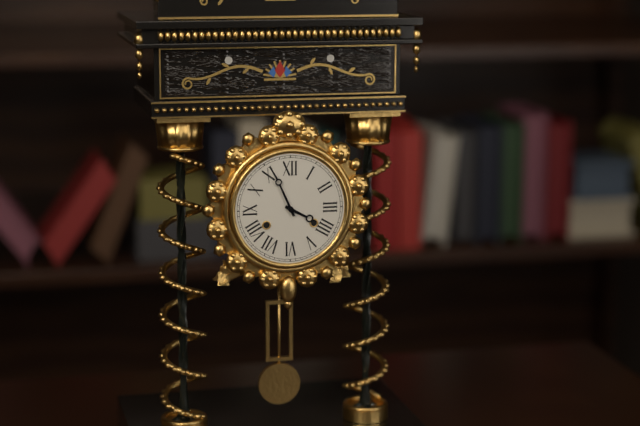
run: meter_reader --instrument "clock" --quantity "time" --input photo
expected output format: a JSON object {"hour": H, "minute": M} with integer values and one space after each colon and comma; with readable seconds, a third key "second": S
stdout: {"hour": 3, "minute": 56}
